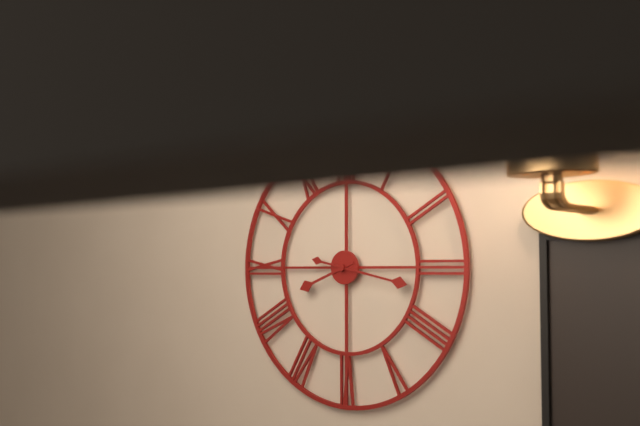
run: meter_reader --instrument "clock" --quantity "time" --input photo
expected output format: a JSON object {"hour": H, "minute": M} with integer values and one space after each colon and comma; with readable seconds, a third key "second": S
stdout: {"hour": 8, "minute": 17}
